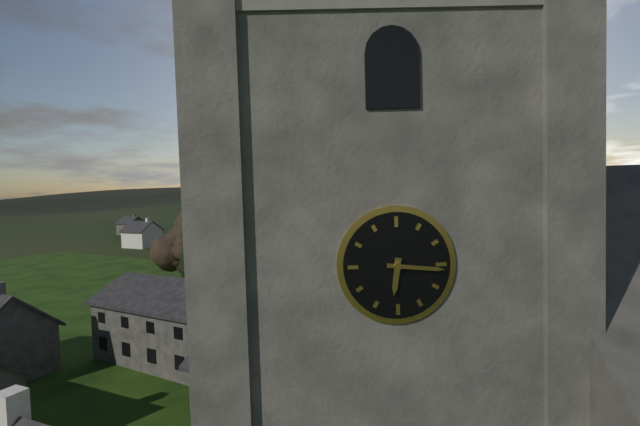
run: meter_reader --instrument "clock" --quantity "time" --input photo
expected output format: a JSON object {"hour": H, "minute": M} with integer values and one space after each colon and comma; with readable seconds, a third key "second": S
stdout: {"hour": 6, "minute": 16}
